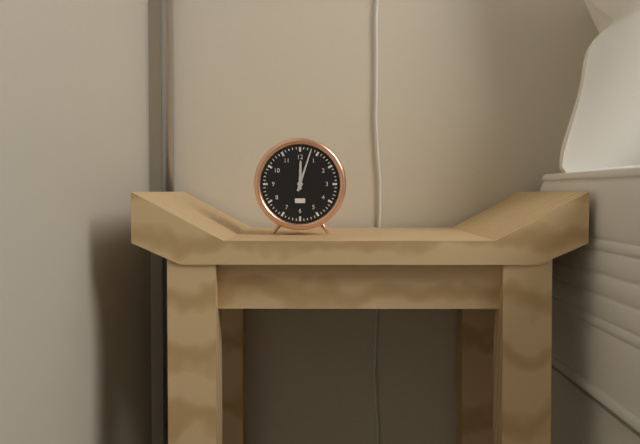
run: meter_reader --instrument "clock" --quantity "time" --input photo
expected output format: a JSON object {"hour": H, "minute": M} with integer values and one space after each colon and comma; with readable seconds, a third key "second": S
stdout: {"hour": 12, "minute": 3}
